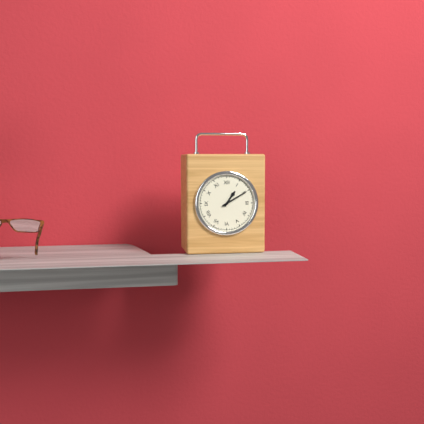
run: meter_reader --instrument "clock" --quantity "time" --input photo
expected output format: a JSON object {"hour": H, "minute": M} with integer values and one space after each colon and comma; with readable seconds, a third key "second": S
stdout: {"hour": 1, "minute": 10}
